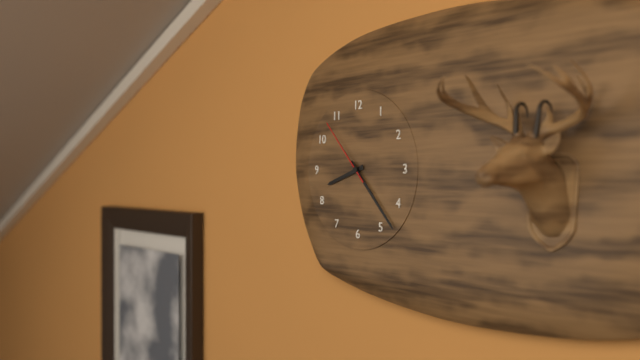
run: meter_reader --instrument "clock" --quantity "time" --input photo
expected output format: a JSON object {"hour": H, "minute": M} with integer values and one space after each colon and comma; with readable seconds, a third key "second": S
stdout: {"hour": 8, "minute": 23, "second": 53}
